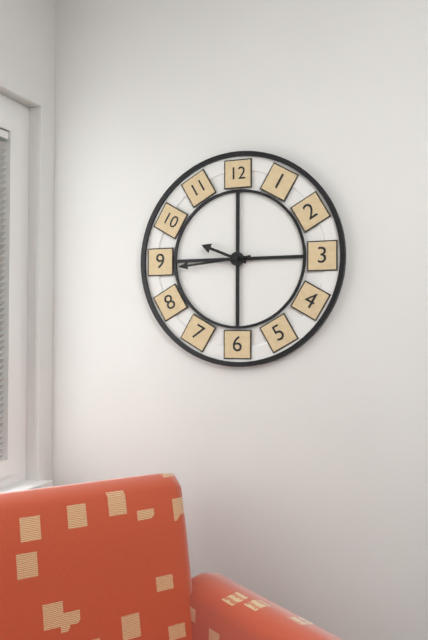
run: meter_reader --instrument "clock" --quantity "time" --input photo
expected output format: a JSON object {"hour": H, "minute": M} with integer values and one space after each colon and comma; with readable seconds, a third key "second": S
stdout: {"hour": 9, "minute": 44}
